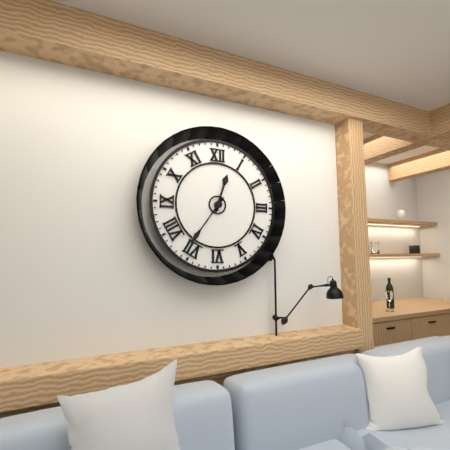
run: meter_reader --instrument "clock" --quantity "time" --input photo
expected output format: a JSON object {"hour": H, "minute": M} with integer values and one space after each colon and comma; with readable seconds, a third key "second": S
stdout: {"hour": 12, "minute": 36}
